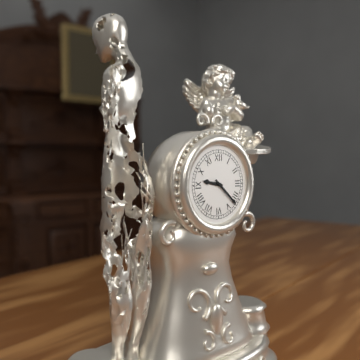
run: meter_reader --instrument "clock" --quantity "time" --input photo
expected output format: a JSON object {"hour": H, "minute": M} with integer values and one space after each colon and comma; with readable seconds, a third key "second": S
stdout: {"hour": 9, "minute": 22}
